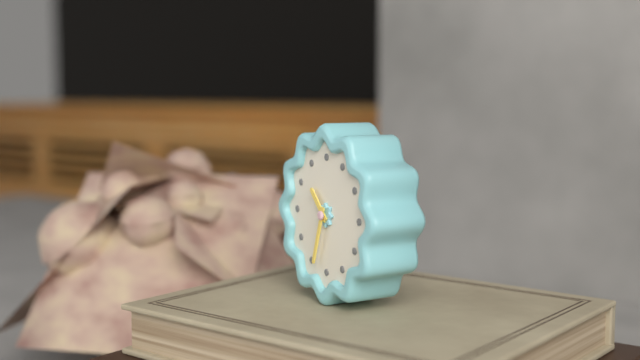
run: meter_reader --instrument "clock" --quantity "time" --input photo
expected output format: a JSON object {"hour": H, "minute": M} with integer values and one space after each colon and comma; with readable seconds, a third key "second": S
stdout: {"hour": 10, "minute": 33}
